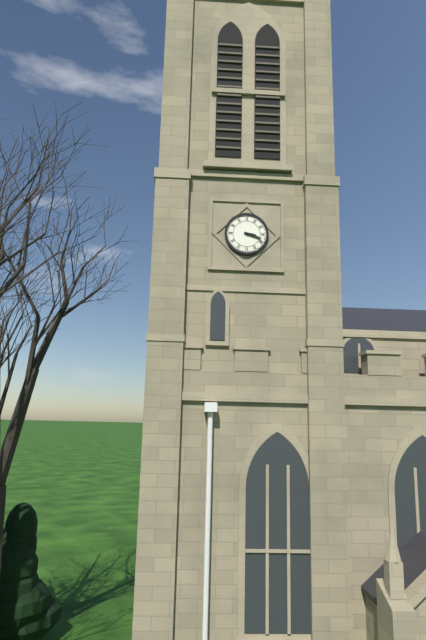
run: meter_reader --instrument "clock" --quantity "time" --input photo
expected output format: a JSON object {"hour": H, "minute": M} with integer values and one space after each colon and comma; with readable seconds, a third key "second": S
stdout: {"hour": 3, "minute": 18}
